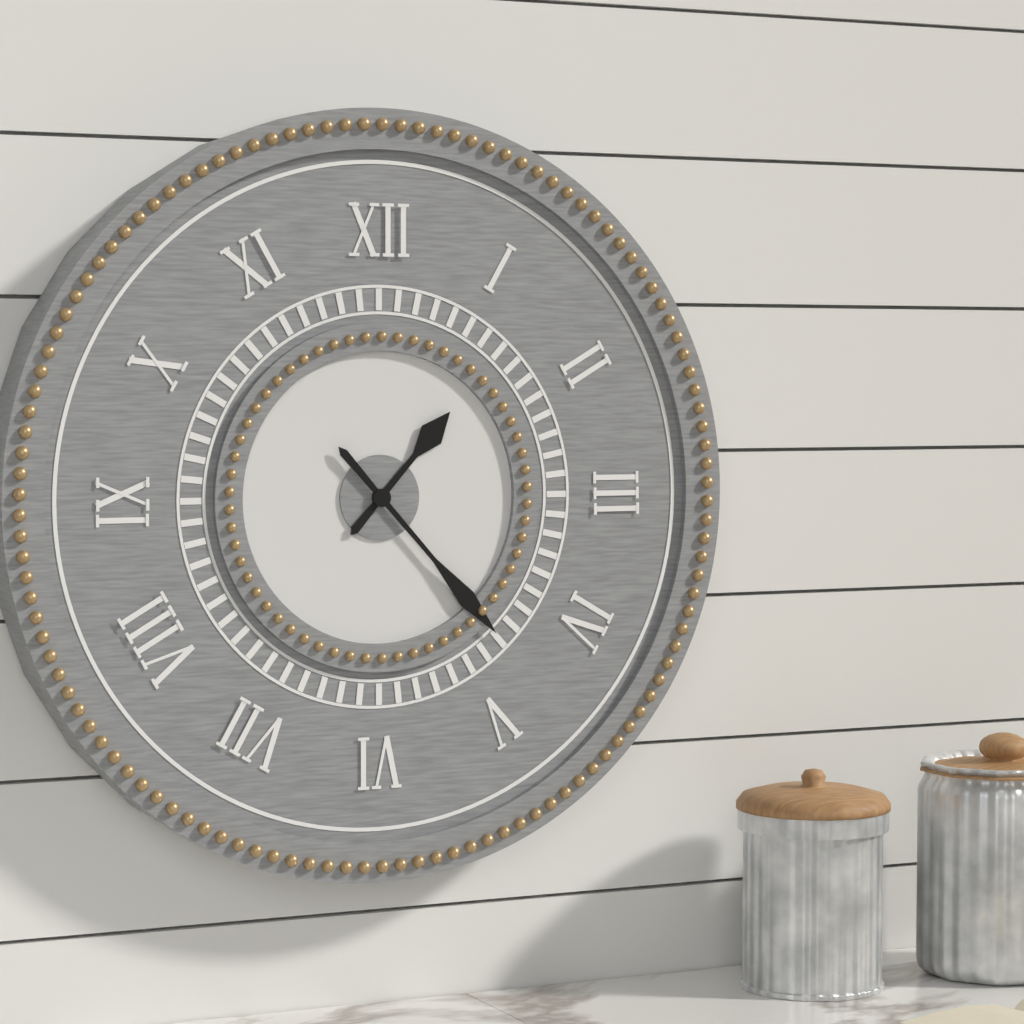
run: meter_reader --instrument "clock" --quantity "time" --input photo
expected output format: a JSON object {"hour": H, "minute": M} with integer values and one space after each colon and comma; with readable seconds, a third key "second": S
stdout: {"hour": 1, "minute": 23}
